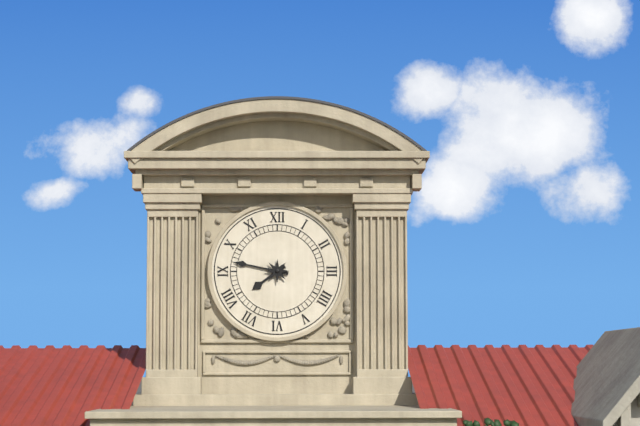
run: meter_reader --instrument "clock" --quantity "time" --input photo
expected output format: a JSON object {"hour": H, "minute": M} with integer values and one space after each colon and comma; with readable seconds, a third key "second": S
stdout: {"hour": 7, "minute": 47}
